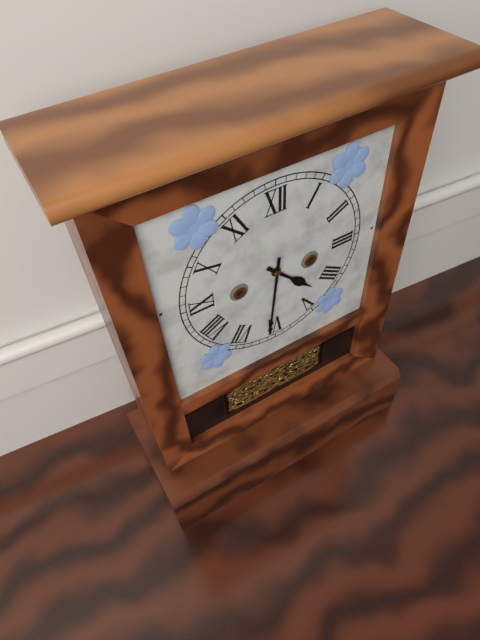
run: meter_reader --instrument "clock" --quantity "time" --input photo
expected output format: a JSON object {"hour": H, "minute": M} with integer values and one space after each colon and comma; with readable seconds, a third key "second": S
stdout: {"hour": 4, "minute": 31}
